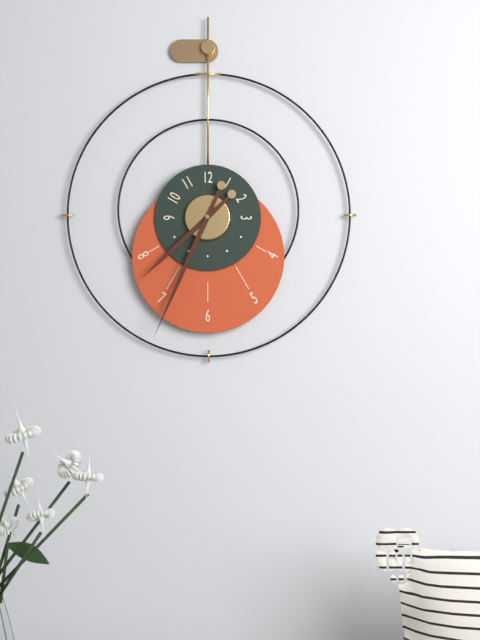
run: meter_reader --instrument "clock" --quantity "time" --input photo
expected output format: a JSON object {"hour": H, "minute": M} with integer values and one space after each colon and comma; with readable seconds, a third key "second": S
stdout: {"hour": 7, "minute": 34}
